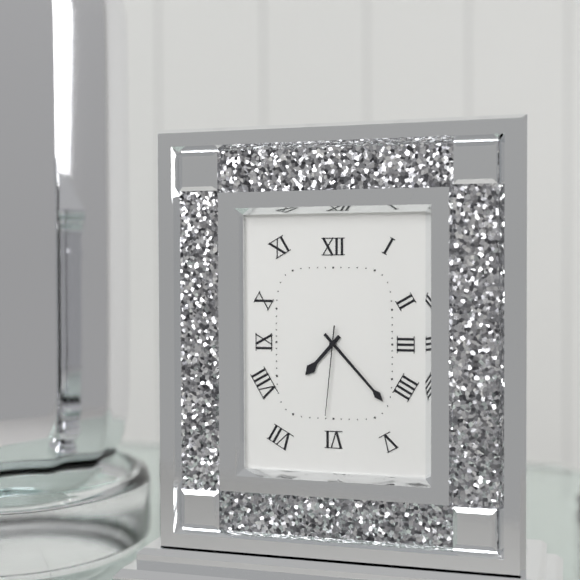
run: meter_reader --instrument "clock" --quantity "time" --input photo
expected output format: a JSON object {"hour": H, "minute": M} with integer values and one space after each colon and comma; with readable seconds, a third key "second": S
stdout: {"hour": 7, "minute": 23, "second": 31}
